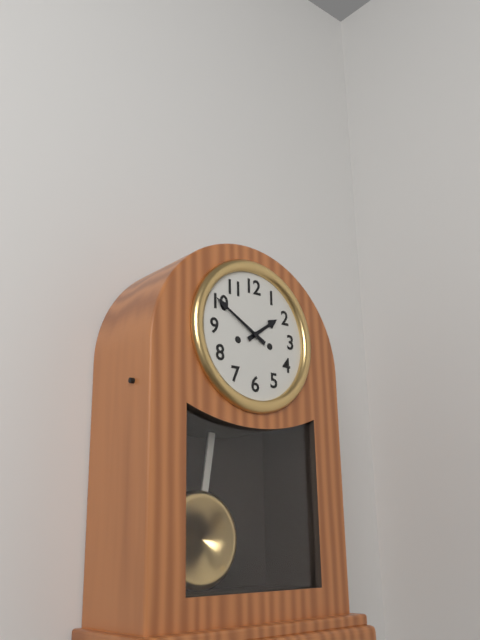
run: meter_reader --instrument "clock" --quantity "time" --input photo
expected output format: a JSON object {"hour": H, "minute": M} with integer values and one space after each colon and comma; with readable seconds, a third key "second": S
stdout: {"hour": 1, "minute": 50}
